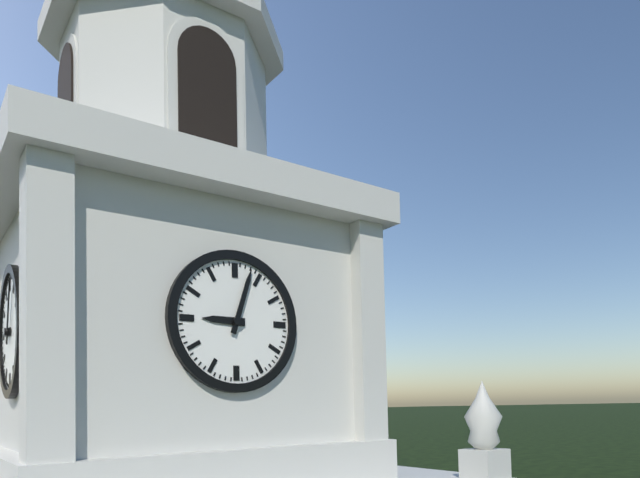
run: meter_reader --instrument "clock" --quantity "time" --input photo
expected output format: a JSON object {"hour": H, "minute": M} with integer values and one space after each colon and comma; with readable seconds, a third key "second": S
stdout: {"hour": 9, "minute": 3}
